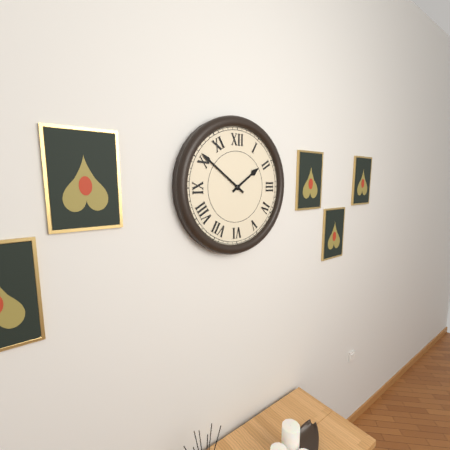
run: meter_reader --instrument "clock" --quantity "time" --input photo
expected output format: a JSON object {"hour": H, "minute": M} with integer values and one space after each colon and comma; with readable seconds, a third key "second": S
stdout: {"hour": 1, "minute": 51}
